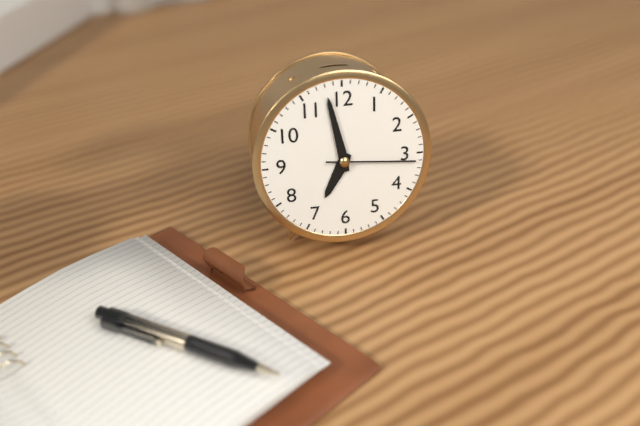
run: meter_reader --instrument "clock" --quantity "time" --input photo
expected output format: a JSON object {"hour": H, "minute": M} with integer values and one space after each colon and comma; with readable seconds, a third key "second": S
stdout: {"hour": 6, "minute": 58, "second": 16}
